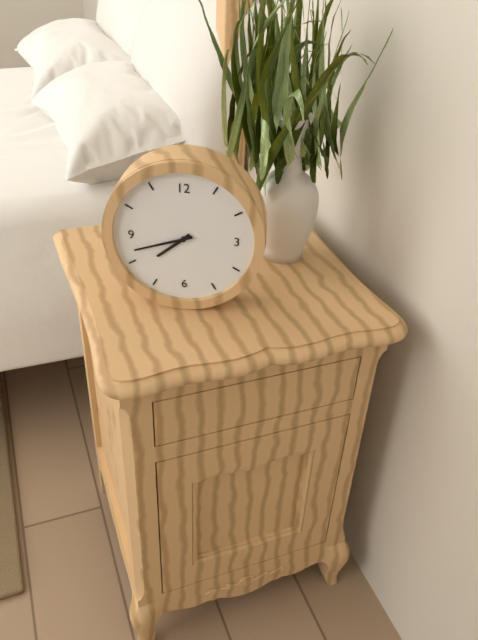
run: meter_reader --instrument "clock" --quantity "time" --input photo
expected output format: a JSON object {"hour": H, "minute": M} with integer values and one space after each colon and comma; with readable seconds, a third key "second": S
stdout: {"hour": 7, "minute": 42}
